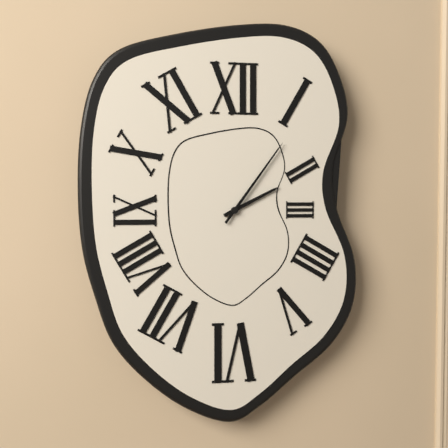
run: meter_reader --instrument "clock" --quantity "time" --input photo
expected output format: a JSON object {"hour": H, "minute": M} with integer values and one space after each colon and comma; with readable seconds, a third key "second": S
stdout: {"hour": 2, "minute": 6}
